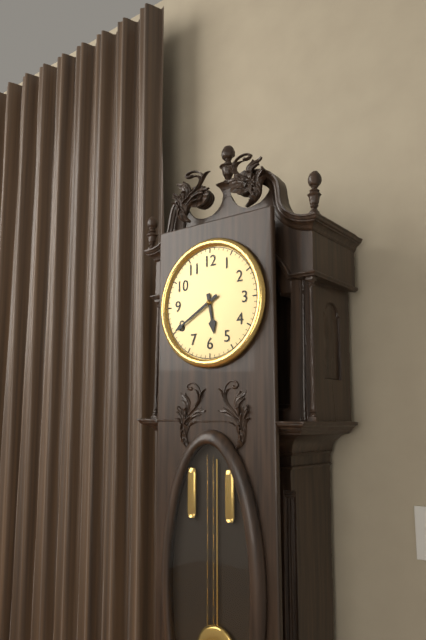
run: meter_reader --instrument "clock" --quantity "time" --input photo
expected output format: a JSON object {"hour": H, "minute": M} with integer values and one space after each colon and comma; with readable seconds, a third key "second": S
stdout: {"hour": 5, "minute": 40}
